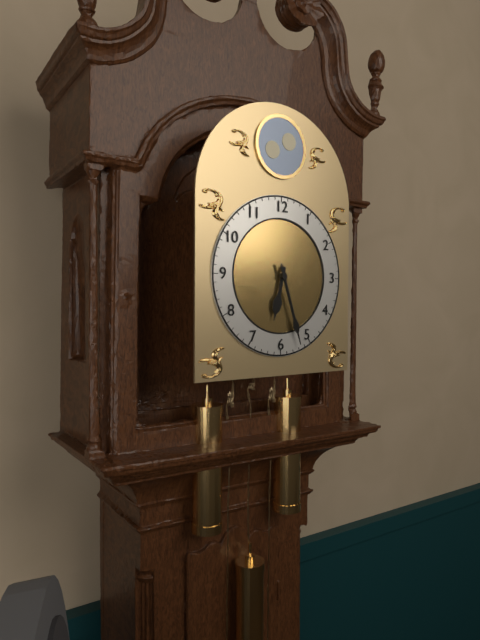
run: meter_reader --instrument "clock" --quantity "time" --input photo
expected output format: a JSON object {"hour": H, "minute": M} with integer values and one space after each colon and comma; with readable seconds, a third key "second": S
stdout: {"hour": 6, "minute": 27}
